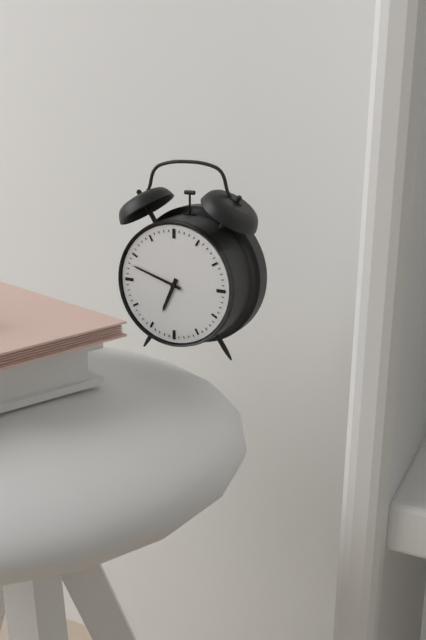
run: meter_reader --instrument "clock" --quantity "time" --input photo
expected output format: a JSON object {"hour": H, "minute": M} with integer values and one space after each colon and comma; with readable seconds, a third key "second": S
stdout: {"hour": 6, "minute": 48}
